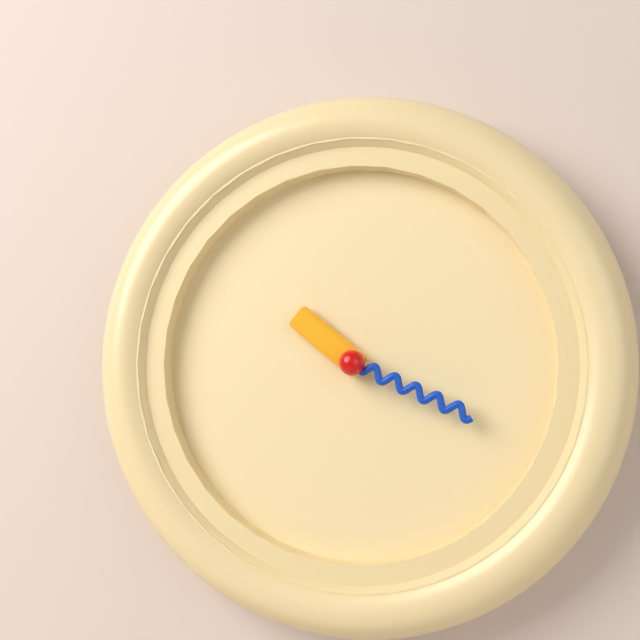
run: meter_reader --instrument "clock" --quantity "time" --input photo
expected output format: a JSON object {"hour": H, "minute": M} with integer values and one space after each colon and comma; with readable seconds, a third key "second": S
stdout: {"hour": 10, "minute": 19}
